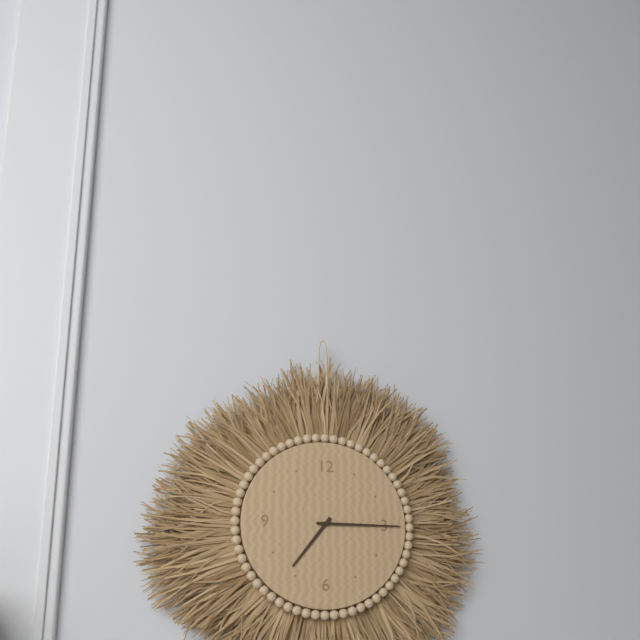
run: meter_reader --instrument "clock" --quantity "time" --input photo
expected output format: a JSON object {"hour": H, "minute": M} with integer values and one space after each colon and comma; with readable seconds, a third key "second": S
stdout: {"hour": 7, "minute": 15}
